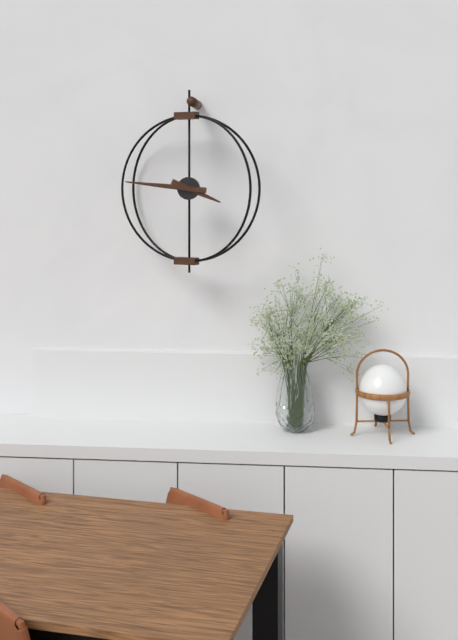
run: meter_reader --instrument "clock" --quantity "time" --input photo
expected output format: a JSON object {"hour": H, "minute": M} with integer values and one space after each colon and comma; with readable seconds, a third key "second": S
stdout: {"hour": 3, "minute": 46}
